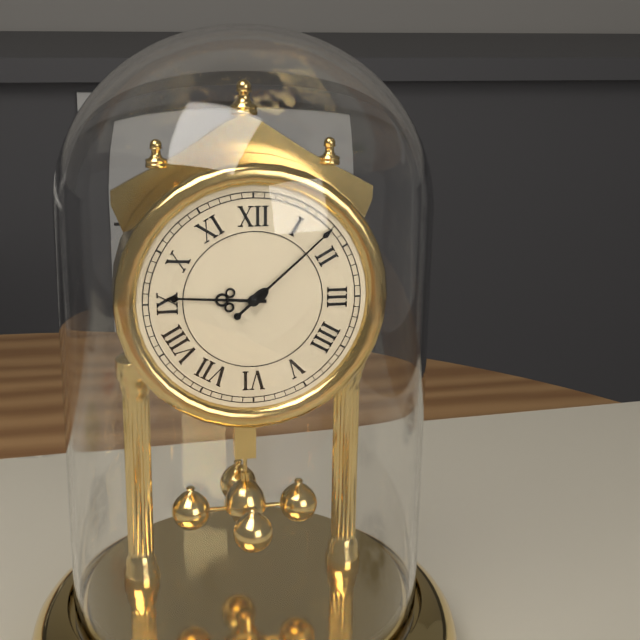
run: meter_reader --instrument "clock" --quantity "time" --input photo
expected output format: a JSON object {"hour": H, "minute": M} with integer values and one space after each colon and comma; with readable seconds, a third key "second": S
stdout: {"hour": 9, "minute": 8}
